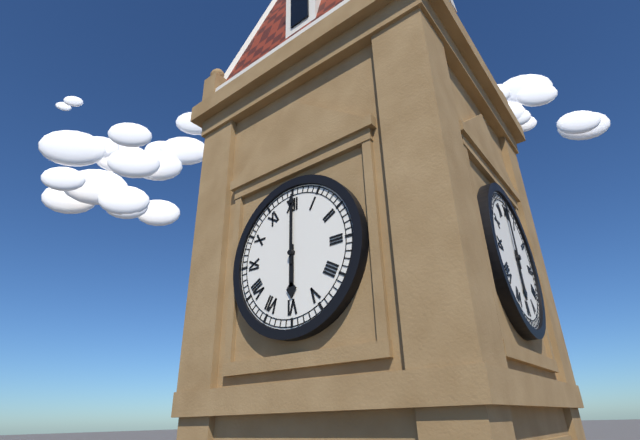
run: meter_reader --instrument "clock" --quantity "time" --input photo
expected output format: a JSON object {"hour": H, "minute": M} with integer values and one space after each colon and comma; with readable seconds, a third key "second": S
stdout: {"hour": 6, "minute": 0}
